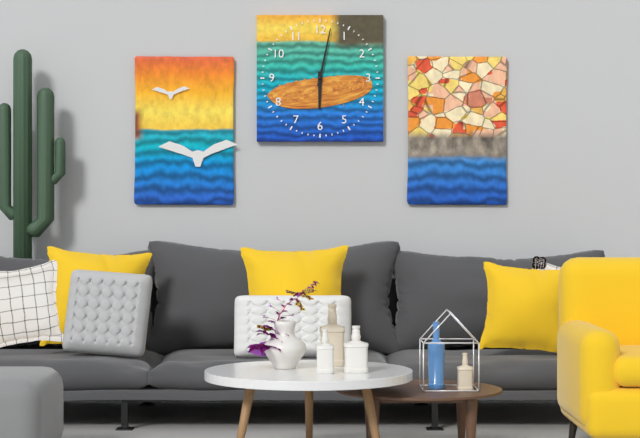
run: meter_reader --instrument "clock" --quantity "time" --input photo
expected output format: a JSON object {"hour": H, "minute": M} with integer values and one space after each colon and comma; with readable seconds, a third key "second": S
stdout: {"hour": 6, "minute": 2}
